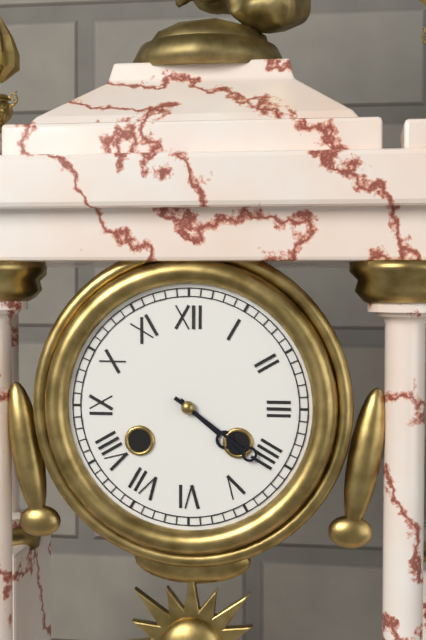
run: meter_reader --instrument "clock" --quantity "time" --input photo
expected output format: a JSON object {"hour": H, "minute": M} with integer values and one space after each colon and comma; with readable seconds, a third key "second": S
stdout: {"hour": 4, "minute": 21}
